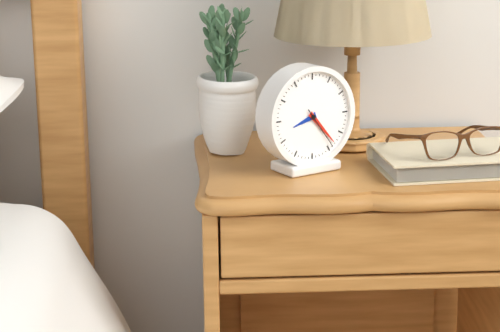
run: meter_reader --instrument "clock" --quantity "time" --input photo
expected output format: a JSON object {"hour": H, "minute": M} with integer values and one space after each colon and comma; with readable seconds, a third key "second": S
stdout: {"hour": 8, "minute": 23}
